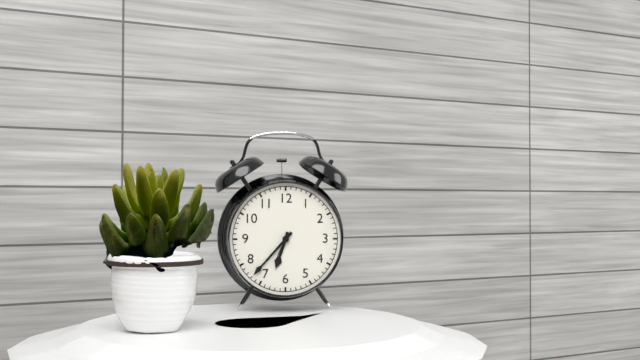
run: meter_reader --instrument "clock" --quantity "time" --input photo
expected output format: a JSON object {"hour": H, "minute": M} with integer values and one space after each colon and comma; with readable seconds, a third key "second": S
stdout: {"hour": 6, "minute": 37}
